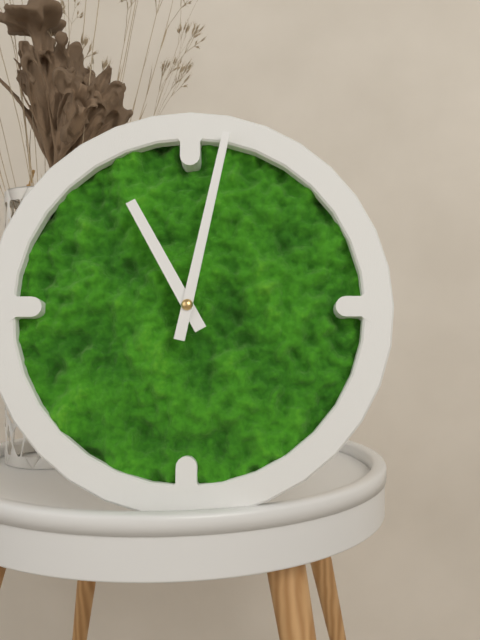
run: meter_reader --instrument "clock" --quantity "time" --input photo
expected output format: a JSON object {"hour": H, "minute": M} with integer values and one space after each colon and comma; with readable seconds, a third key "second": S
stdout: {"hour": 11, "minute": 2}
